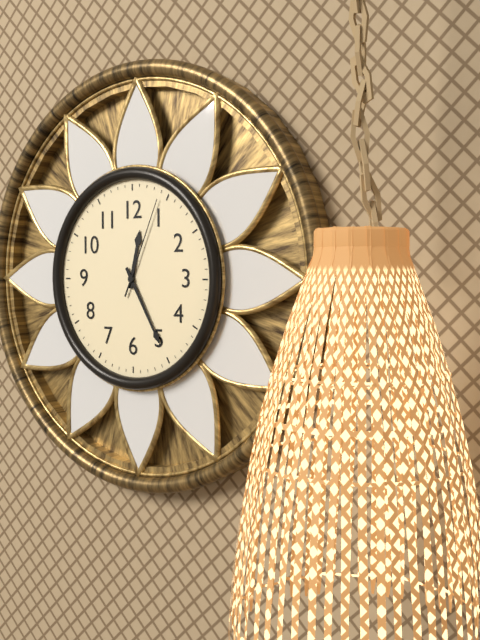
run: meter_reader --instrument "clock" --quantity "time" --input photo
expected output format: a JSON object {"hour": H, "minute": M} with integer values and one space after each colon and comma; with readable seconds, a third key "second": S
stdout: {"hour": 12, "minute": 25, "second": 4}
